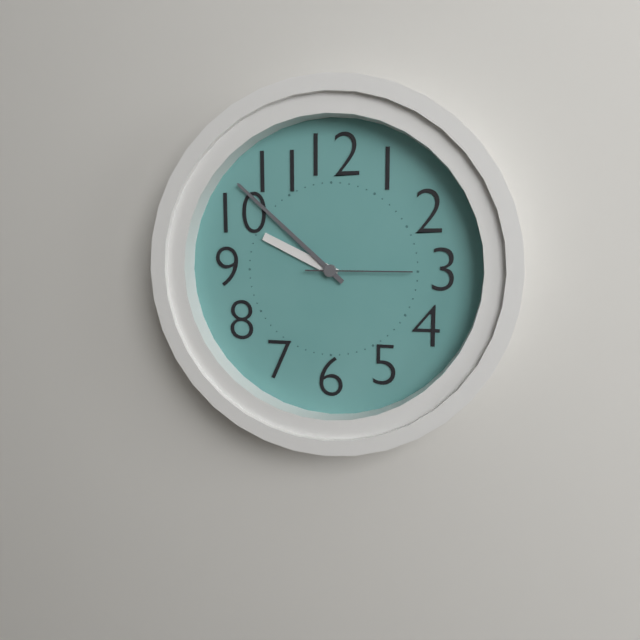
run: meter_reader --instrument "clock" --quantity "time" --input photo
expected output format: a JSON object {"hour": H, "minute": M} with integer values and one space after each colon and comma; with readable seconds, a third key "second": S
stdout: {"hour": 9, "minute": 52, "second": 15}
